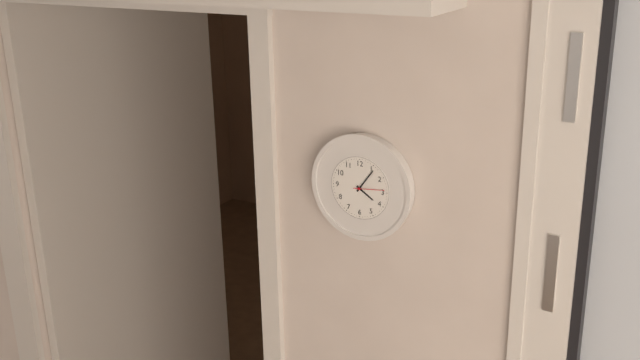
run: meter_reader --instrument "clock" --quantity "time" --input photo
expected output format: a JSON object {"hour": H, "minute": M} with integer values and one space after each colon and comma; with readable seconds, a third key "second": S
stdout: {"hour": 4, "minute": 6}
